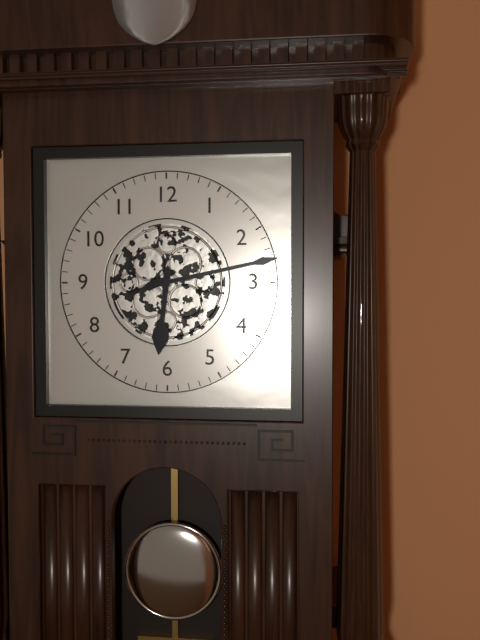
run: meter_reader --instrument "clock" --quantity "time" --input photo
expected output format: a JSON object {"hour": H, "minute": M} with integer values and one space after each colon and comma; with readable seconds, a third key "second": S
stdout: {"hour": 6, "minute": 13}
